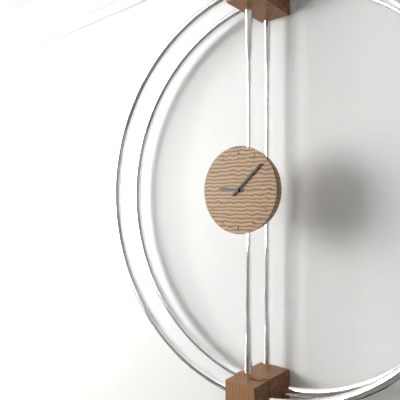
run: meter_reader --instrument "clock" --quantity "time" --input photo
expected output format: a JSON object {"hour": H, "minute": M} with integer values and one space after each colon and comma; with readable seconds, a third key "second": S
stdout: {"hour": 9, "minute": 8}
